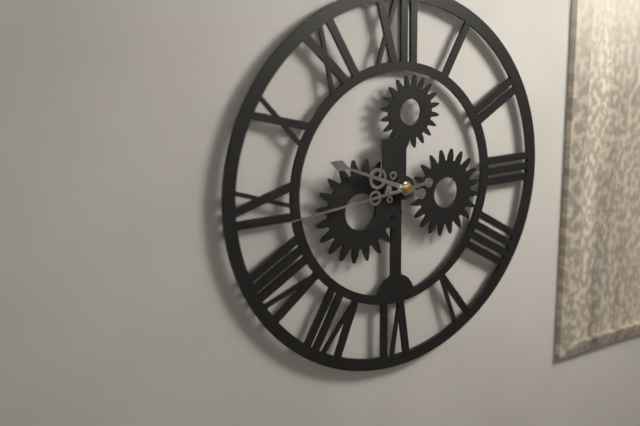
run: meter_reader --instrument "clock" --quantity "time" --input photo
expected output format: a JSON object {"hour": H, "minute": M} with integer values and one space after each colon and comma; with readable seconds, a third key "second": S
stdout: {"hour": 9, "minute": 44}
